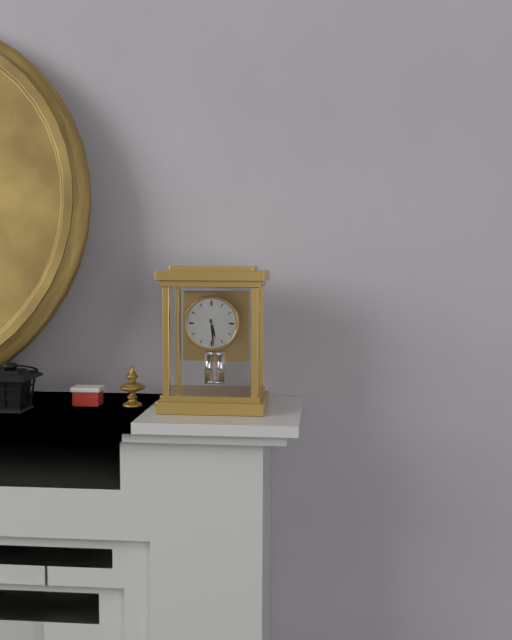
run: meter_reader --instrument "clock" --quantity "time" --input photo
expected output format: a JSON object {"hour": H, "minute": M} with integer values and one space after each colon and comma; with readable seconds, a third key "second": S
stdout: {"hour": 5, "minute": 29}
